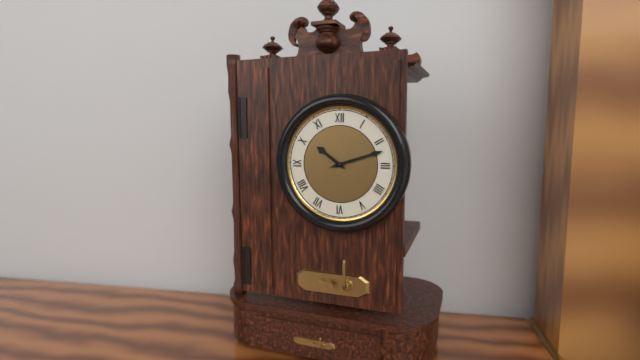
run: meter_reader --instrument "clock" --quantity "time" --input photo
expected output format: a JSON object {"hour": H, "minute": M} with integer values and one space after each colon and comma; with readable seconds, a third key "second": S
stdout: {"hour": 10, "minute": 12}
